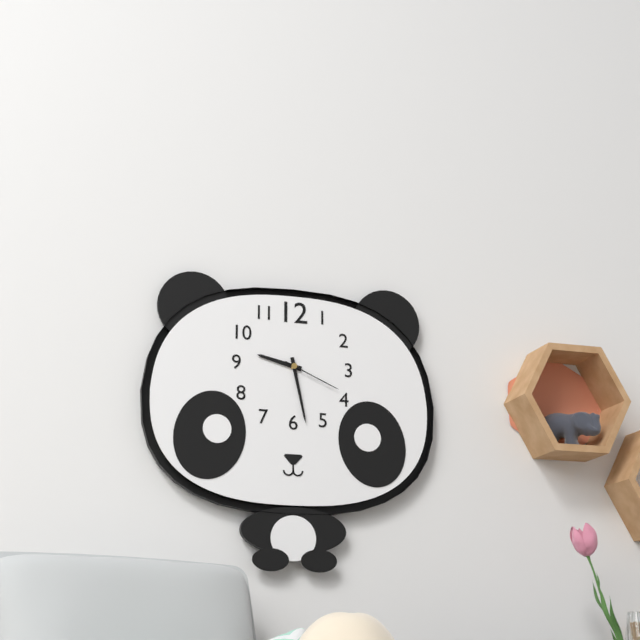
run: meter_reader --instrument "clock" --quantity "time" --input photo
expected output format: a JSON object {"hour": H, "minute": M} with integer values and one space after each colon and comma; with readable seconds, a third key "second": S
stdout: {"hour": 9, "minute": 28, "second": 19}
